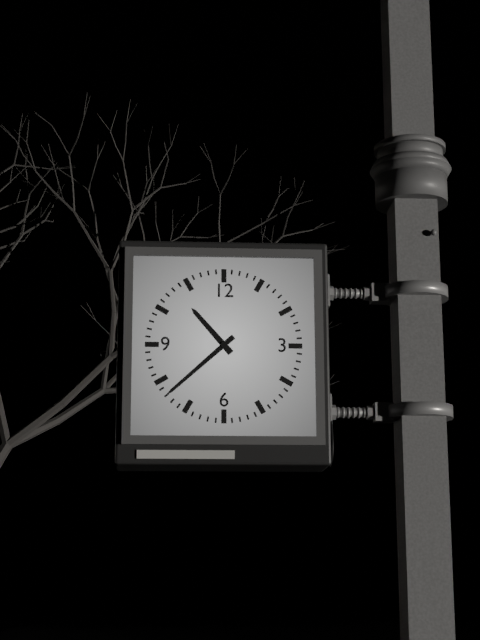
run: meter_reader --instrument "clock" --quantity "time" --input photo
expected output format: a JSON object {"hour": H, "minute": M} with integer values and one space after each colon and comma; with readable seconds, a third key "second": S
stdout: {"hour": 10, "minute": 38}
